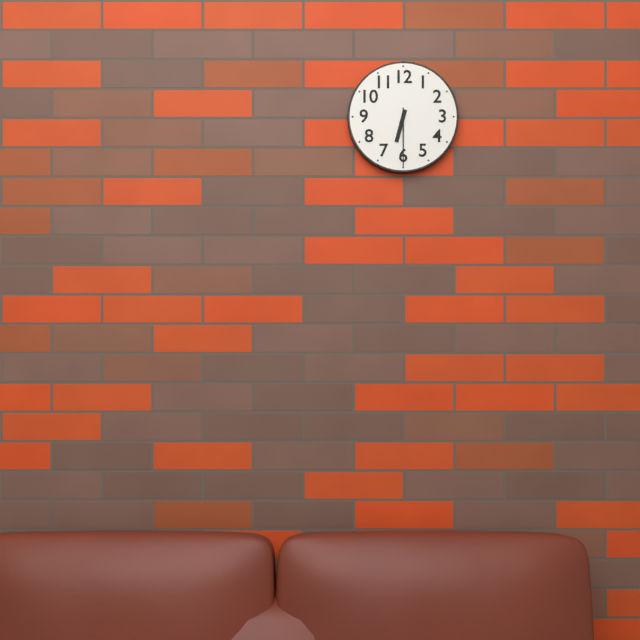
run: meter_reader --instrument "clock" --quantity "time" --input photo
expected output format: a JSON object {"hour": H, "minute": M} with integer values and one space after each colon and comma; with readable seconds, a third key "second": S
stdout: {"hour": 6, "minute": 30}
